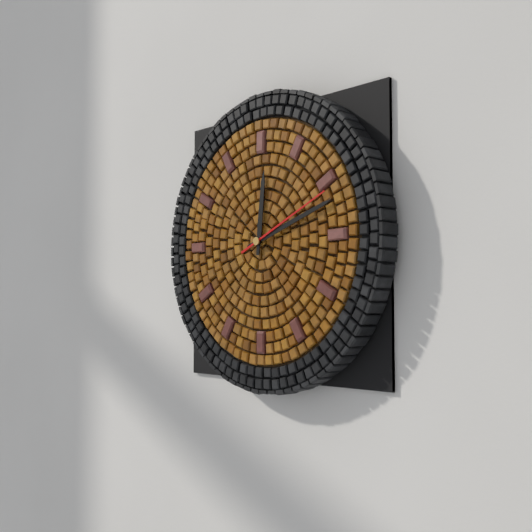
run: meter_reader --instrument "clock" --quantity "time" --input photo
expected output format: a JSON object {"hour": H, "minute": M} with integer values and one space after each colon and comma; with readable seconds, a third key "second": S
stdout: {"hour": 12, "minute": 12, "second": 11}
